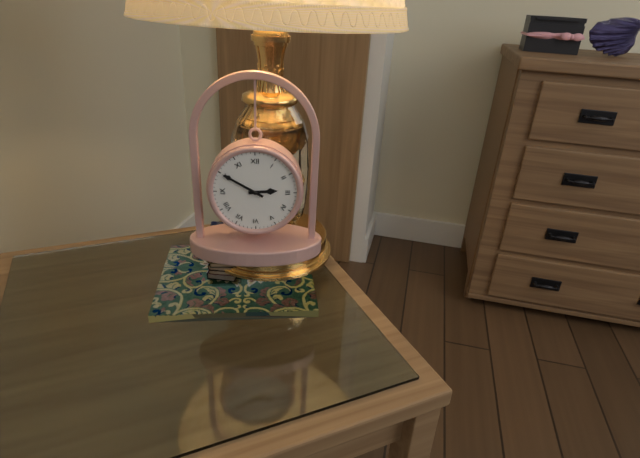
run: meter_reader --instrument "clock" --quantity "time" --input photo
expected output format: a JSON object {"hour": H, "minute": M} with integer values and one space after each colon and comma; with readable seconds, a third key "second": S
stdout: {"hour": 2, "minute": 50}
